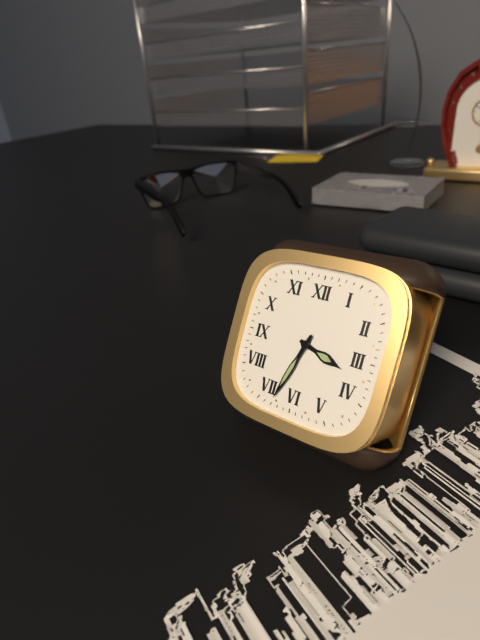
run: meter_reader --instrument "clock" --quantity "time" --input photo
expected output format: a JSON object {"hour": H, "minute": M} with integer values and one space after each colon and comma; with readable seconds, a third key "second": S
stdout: {"hour": 3, "minute": 33}
